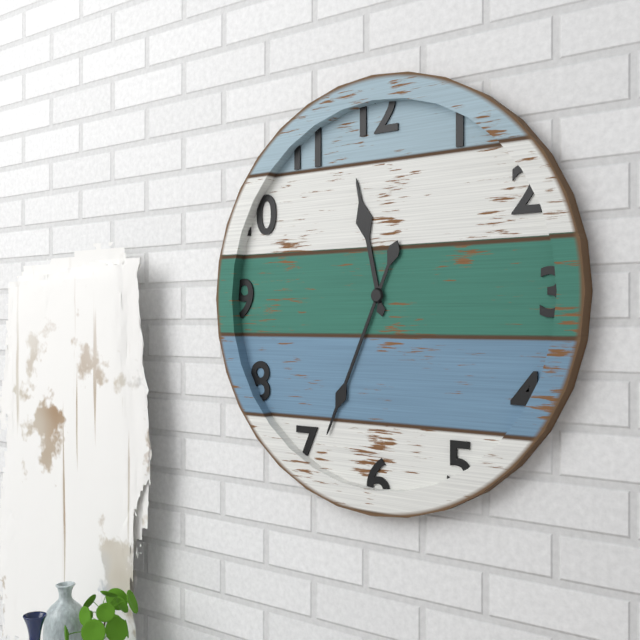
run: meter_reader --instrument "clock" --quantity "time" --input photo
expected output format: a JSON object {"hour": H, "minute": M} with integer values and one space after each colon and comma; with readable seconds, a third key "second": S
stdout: {"hour": 11, "minute": 34}
